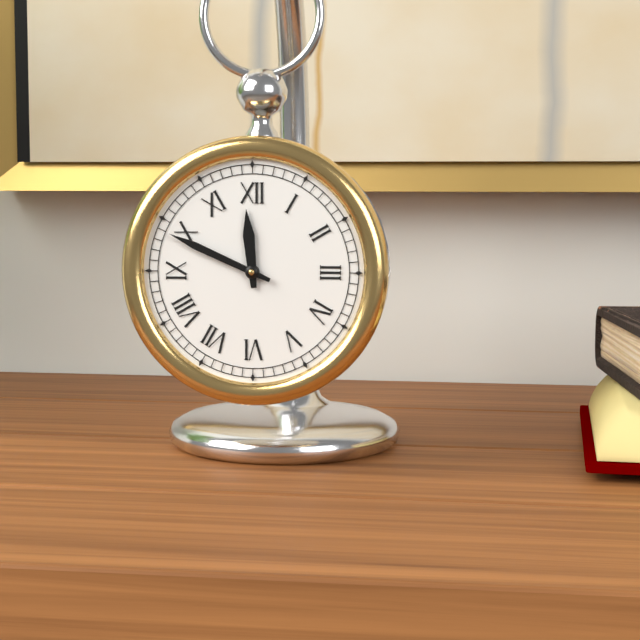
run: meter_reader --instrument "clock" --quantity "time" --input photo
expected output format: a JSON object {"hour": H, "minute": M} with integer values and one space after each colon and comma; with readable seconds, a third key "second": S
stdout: {"hour": 11, "minute": 49}
